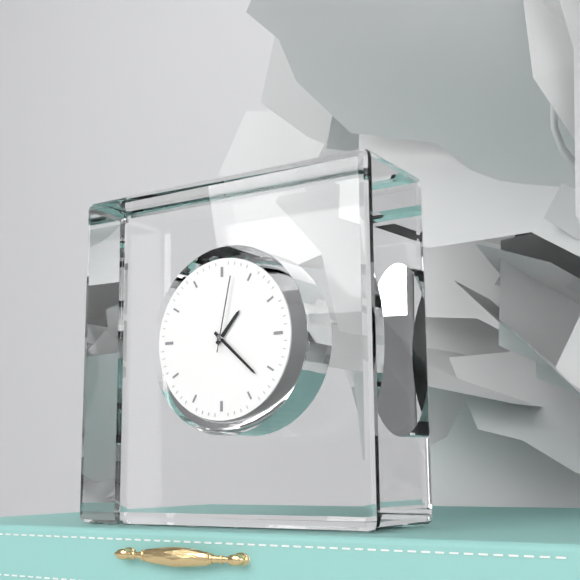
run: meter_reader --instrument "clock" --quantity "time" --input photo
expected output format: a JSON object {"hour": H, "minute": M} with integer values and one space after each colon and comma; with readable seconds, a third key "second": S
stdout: {"hour": 1, "minute": 22, "second": 2}
